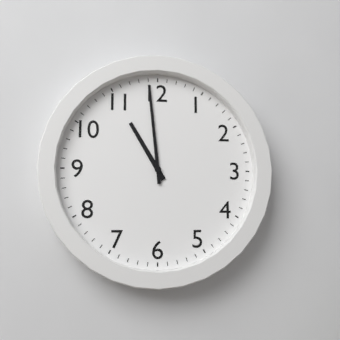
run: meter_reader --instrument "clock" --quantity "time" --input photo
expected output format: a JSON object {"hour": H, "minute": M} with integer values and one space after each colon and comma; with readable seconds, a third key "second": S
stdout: {"hour": 10, "minute": 59}
